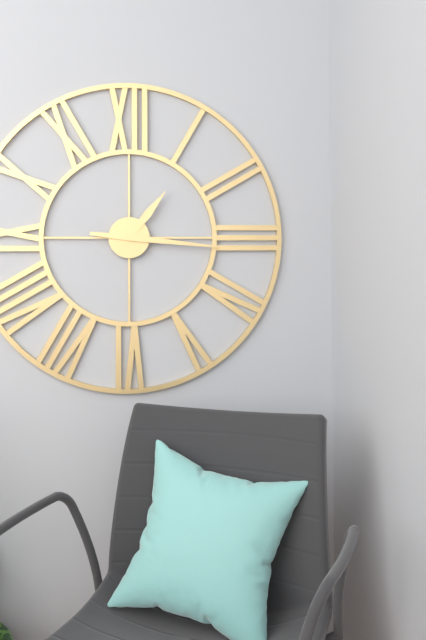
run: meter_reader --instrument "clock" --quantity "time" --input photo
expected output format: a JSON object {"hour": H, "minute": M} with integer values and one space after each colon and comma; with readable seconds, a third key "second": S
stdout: {"hour": 1, "minute": 16}
